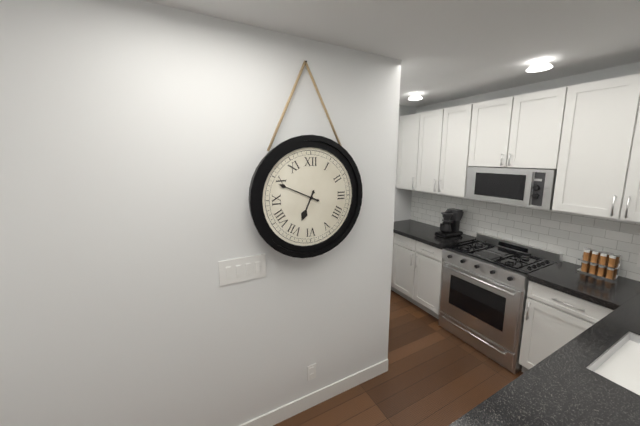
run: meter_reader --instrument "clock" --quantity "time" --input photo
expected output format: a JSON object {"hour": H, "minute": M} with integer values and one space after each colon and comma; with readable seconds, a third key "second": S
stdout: {"hour": 6, "minute": 49}
